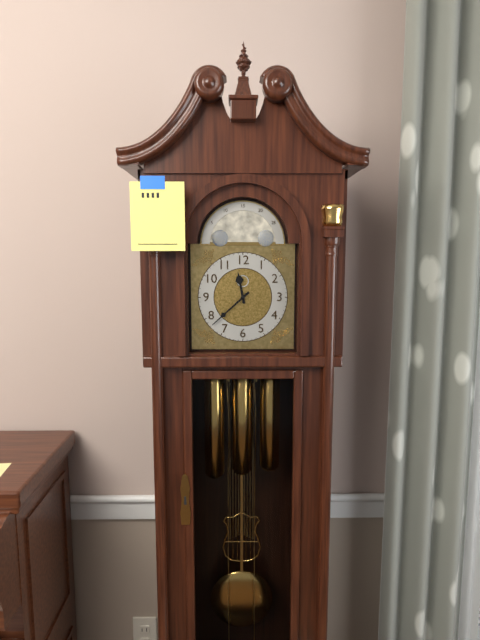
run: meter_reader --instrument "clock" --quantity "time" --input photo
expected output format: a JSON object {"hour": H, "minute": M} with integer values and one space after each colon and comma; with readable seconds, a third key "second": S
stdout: {"hour": 11, "minute": 38}
